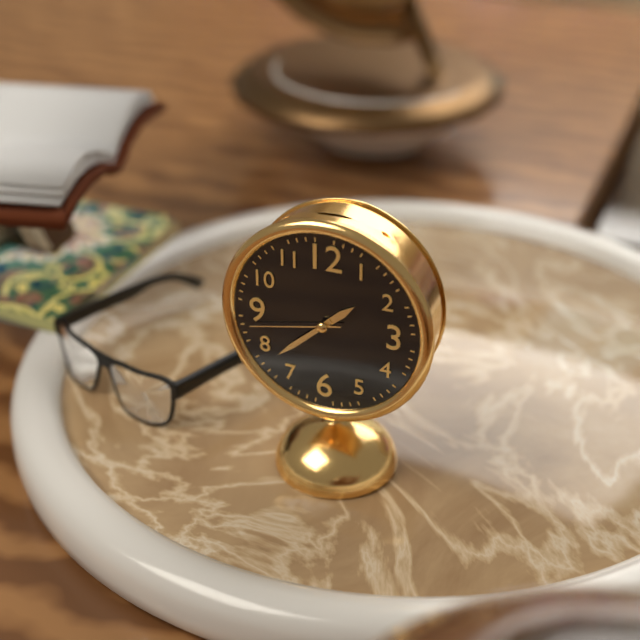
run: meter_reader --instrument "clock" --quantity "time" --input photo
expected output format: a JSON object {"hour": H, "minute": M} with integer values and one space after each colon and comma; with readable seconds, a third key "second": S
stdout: {"hour": 1, "minute": 38, "second": 43}
